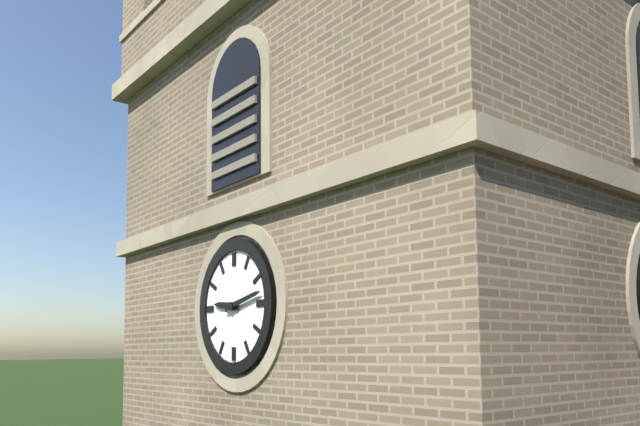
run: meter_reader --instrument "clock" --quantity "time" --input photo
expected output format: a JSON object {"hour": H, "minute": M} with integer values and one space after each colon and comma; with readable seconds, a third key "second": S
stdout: {"hour": 9, "minute": 13}
